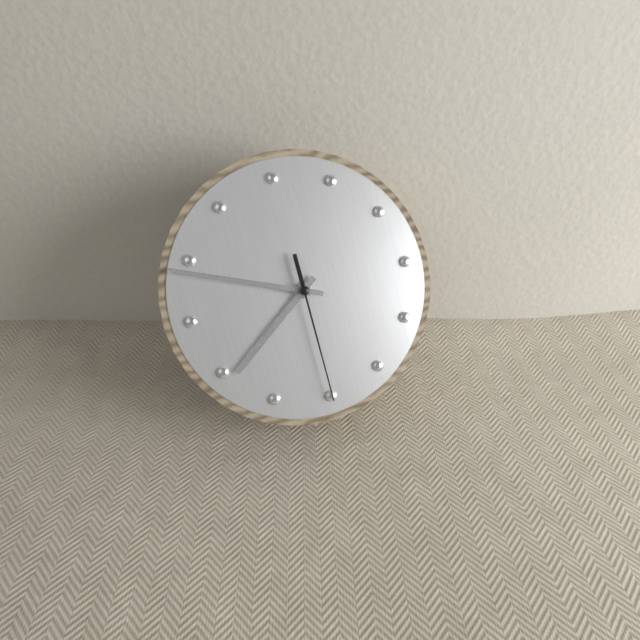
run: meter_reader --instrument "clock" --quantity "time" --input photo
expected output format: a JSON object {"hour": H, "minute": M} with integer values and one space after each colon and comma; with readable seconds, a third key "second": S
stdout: {"hour": 7, "minute": 49, "second": 30}
